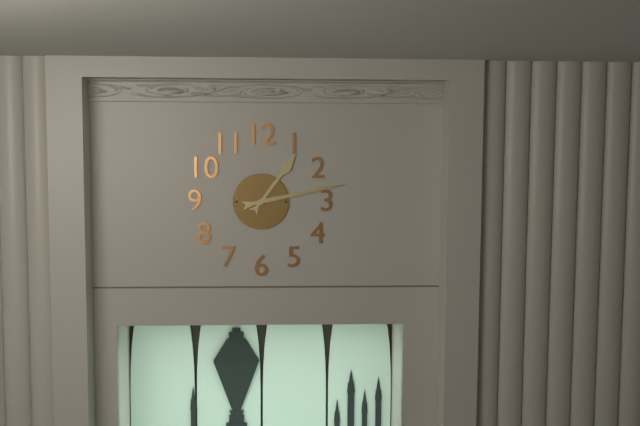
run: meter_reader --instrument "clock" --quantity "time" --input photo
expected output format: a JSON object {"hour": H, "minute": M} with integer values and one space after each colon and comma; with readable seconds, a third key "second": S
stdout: {"hour": 1, "minute": 13}
